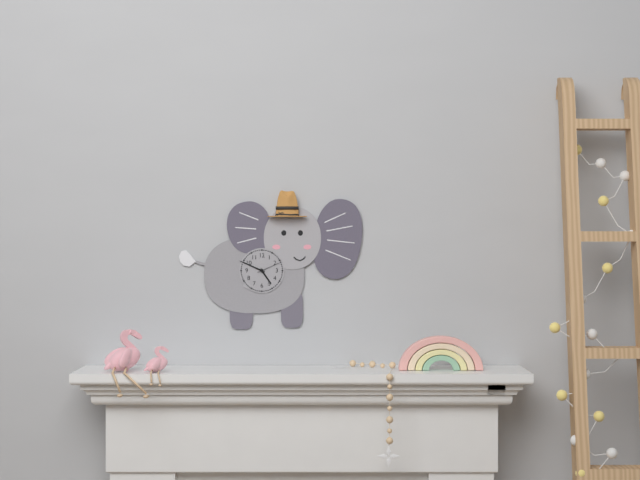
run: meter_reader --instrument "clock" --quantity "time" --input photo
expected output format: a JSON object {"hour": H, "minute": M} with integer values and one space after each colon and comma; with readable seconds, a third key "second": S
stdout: {"hour": 4, "minute": 49}
